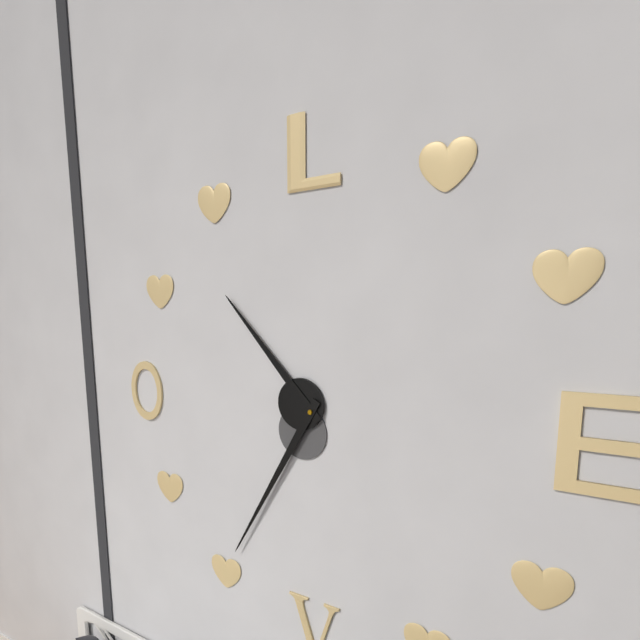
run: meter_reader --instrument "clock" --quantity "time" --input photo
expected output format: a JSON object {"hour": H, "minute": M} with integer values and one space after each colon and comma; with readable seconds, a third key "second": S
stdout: {"hour": 10, "minute": 35}
